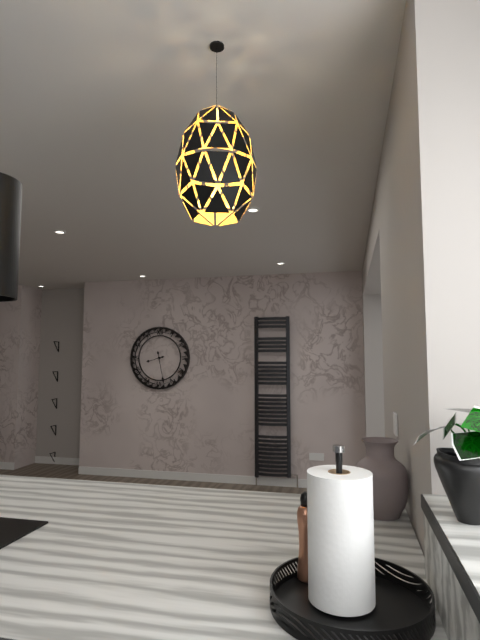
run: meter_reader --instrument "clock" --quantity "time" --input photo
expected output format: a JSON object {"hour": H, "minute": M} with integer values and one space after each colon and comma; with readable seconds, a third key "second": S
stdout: {"hour": 8, "minute": 28}
